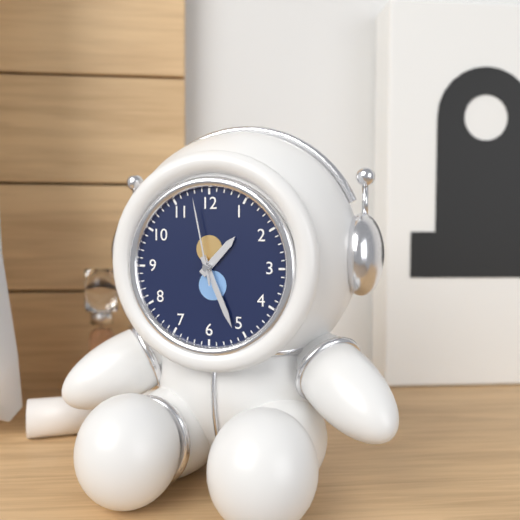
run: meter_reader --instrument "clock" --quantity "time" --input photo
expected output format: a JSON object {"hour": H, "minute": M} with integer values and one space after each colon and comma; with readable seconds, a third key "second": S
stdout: {"hour": 1, "minute": 26, "second": 58}
